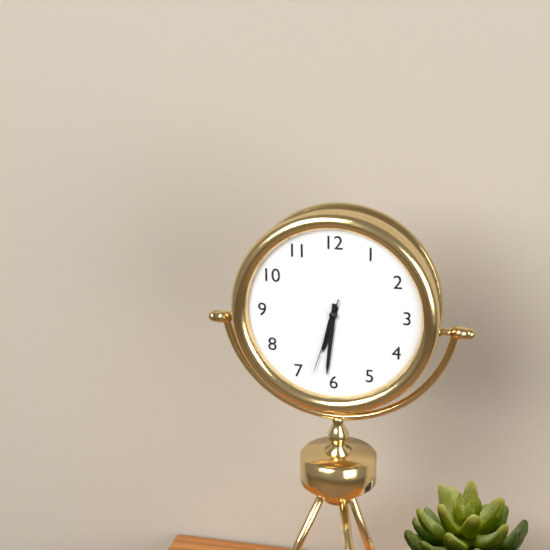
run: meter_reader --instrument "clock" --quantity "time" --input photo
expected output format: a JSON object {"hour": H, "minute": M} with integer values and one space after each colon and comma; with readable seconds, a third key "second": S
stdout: {"hour": 6, "minute": 31, "second": 33}
